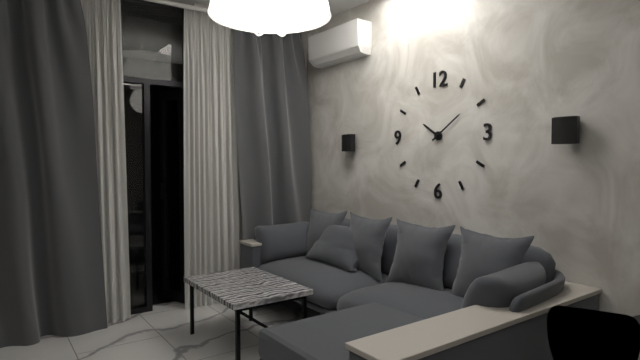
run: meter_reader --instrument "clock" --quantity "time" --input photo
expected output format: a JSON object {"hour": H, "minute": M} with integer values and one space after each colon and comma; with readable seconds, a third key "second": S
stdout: {"hour": 10, "minute": 9}
